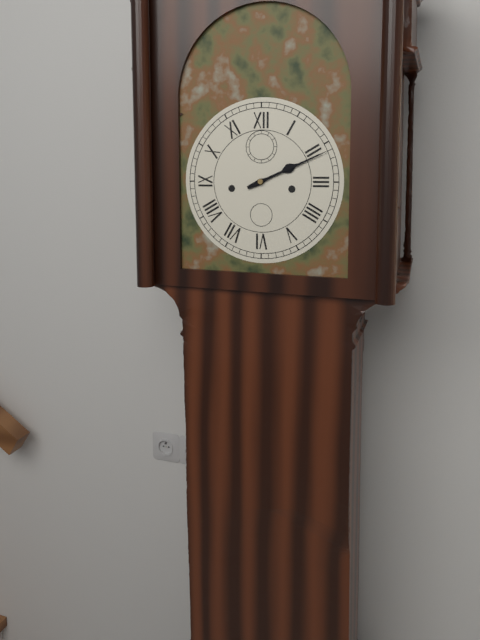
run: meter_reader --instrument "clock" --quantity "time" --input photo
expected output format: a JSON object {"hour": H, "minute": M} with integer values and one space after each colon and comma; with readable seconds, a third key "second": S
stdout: {"hour": 2, "minute": 11}
